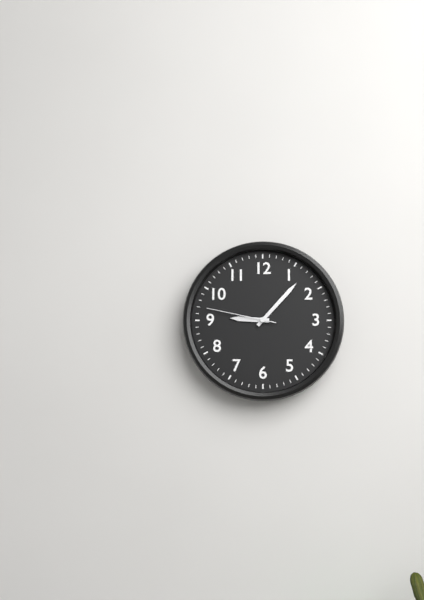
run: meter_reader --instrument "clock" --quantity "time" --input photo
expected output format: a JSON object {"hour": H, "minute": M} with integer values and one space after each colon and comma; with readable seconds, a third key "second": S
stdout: {"hour": 9, "minute": 7, "second": 47}
